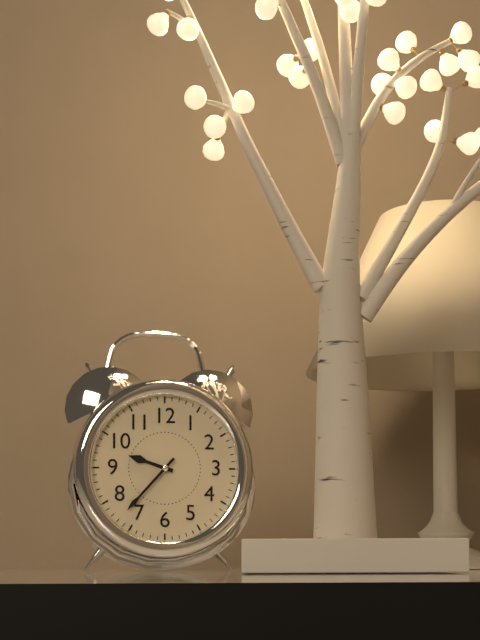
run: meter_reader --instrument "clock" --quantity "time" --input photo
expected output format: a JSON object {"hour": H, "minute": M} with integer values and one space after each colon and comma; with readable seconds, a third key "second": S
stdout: {"hour": 9, "minute": 37}
